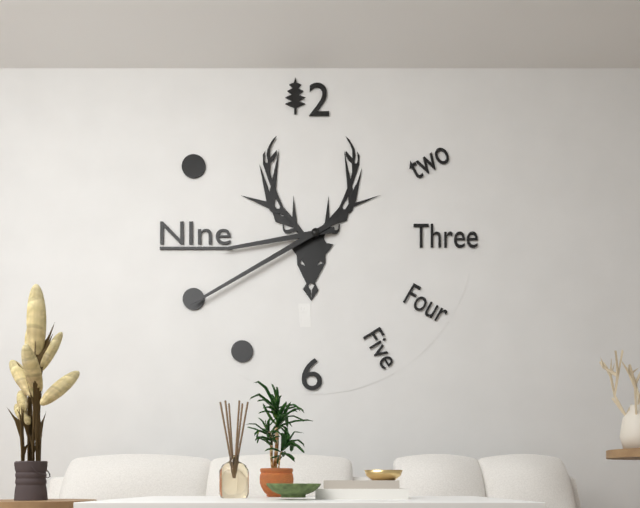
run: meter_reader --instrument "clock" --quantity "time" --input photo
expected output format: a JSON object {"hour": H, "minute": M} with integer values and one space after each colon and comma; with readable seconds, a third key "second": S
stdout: {"hour": 8, "minute": 40}
